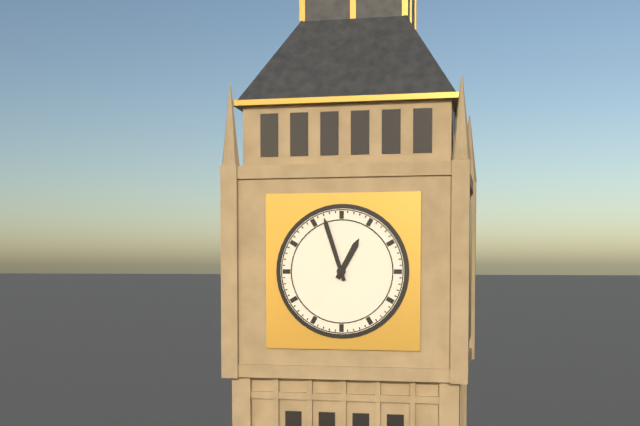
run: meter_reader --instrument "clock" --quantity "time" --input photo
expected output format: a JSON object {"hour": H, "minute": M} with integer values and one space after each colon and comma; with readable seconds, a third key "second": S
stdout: {"hour": 12, "minute": 57}
